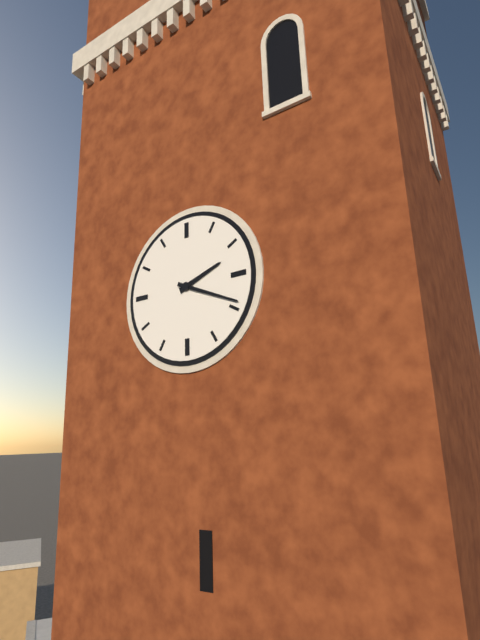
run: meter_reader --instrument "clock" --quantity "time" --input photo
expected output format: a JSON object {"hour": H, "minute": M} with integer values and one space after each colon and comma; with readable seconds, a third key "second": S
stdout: {"hour": 2, "minute": 19}
